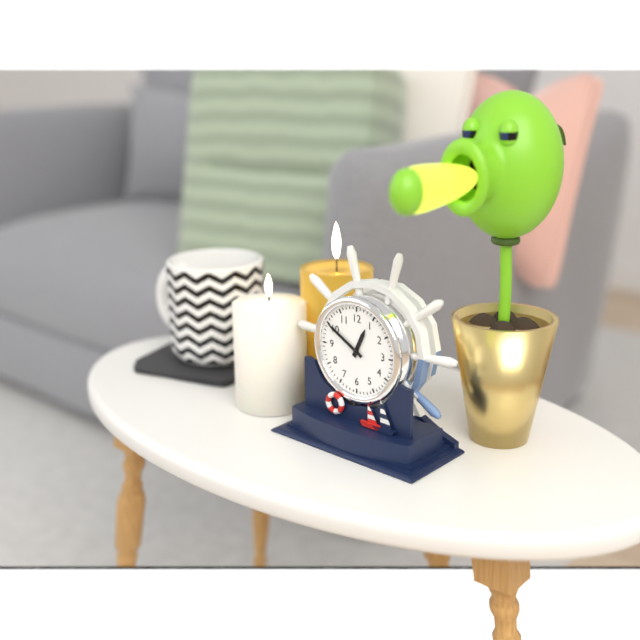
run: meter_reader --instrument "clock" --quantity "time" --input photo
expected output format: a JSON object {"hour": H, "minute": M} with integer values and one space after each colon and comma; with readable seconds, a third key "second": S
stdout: {"hour": 12, "minute": 50}
